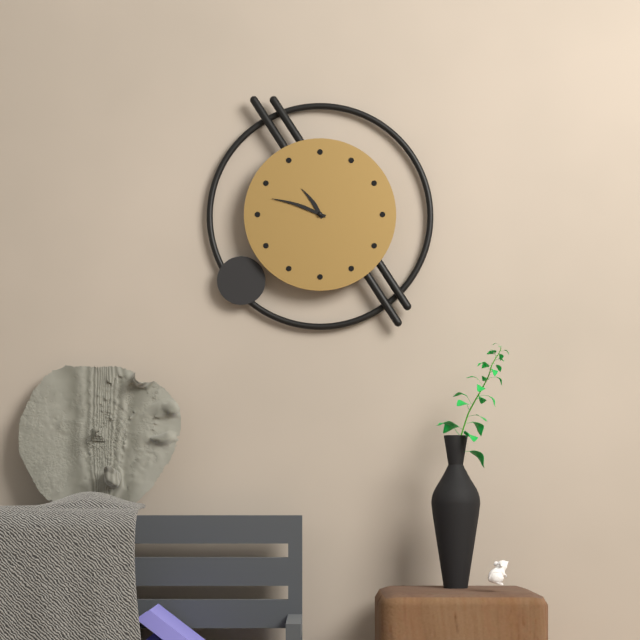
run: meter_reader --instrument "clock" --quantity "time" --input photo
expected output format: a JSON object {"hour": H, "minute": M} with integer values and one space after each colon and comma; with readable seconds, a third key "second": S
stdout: {"hour": 10, "minute": 48}
